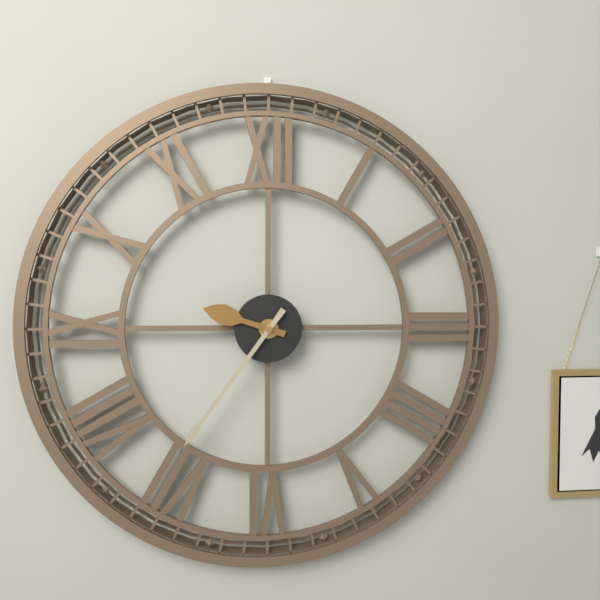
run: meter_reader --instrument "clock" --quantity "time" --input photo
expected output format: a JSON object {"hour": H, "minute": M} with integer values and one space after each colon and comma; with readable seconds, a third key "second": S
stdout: {"hour": 9, "minute": 36}
